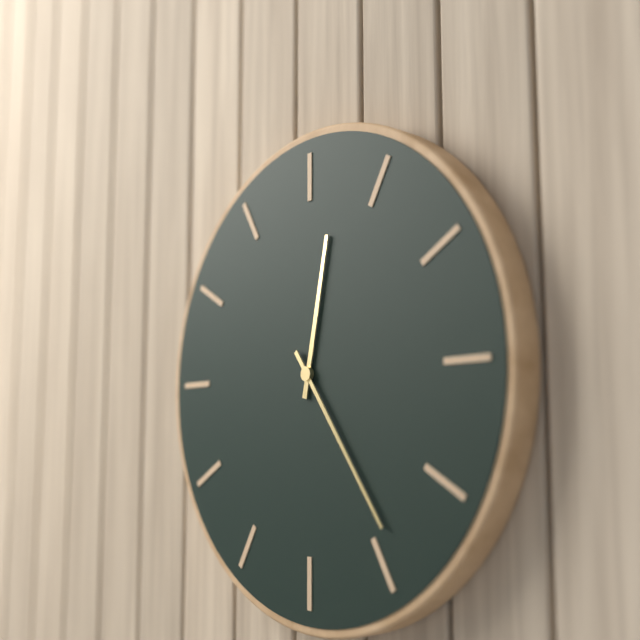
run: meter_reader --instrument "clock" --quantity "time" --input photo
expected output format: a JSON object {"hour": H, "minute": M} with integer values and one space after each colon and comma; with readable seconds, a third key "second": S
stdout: {"hour": 12, "minute": 24}
